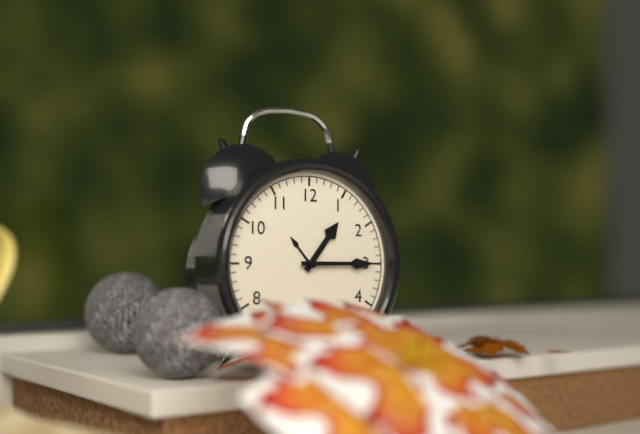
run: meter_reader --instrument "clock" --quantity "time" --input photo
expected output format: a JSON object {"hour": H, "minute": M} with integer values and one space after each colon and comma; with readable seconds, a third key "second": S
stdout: {"hour": 1, "minute": 15}
